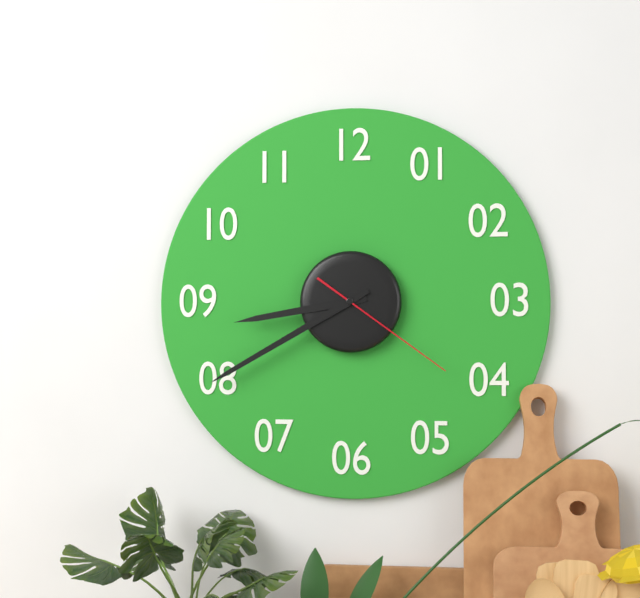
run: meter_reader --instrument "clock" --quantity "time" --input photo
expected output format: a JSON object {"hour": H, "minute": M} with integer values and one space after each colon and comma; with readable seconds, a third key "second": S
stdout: {"hour": 8, "minute": 40, "second": 21}
